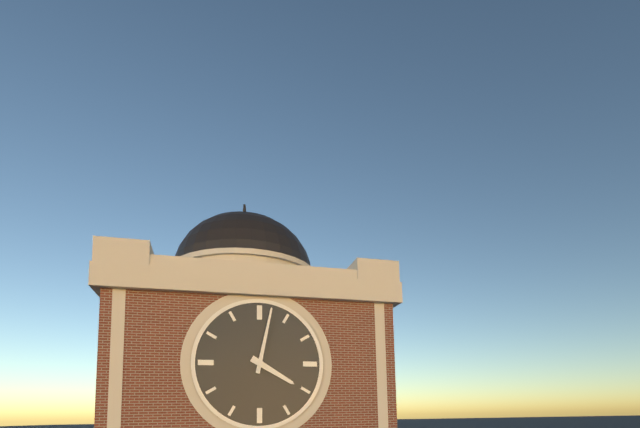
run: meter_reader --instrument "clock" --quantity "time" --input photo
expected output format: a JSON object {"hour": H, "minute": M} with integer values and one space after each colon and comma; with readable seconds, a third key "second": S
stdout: {"hour": 4, "minute": 2}
